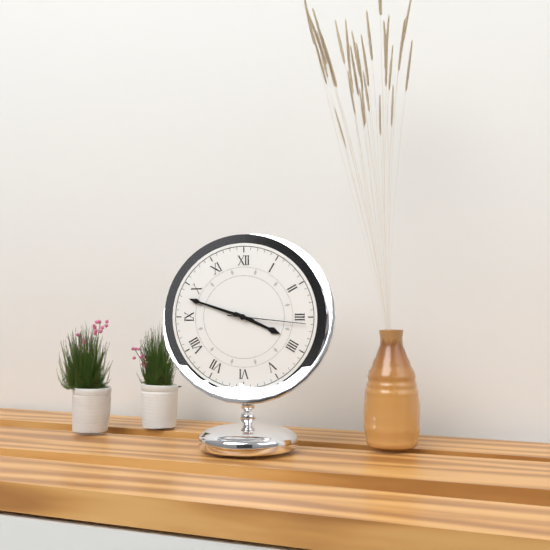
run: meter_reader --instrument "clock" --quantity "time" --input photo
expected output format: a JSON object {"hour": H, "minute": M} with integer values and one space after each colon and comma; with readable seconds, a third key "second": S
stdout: {"hour": 3, "minute": 48, "second": 16}
